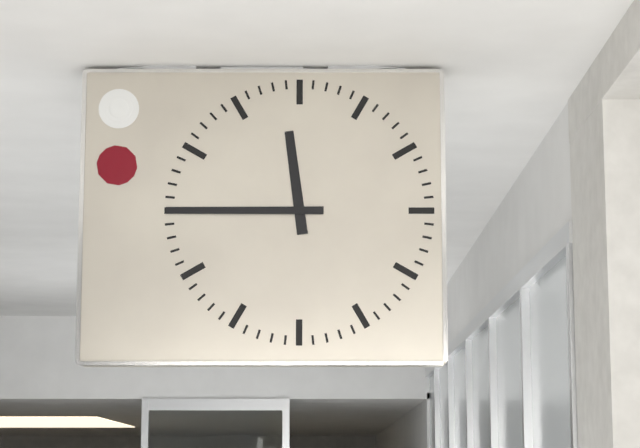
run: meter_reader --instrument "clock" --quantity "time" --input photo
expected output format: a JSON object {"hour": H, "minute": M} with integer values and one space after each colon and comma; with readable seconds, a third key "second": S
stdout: {"hour": 11, "minute": 45}
